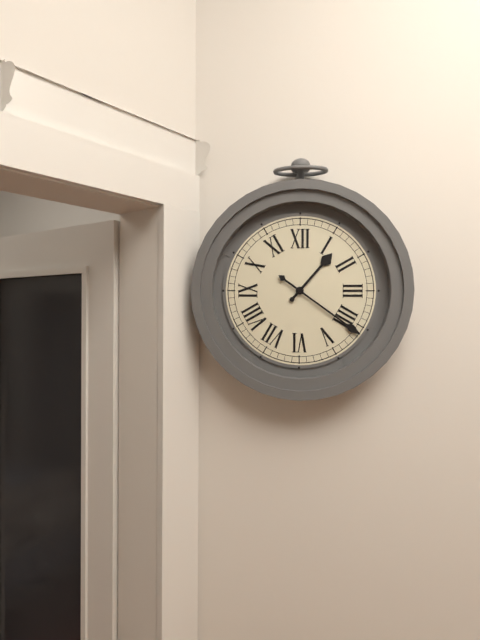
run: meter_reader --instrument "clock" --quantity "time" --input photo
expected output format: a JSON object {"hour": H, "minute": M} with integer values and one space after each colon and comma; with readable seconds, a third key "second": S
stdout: {"hour": 1, "minute": 21}
